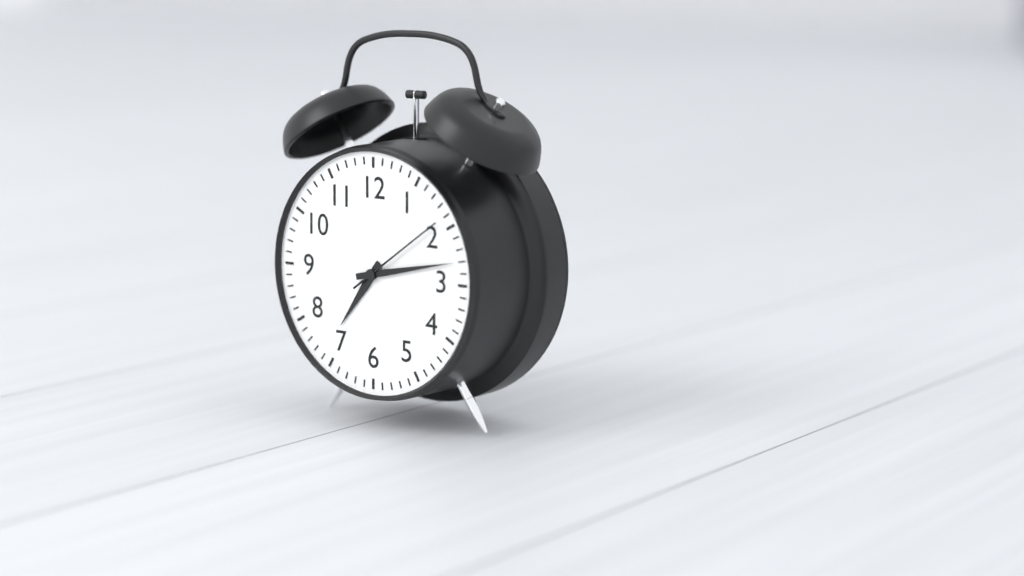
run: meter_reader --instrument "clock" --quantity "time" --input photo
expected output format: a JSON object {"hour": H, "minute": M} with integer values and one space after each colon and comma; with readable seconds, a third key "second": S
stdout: {"hour": 7, "minute": 13, "second": 9}
